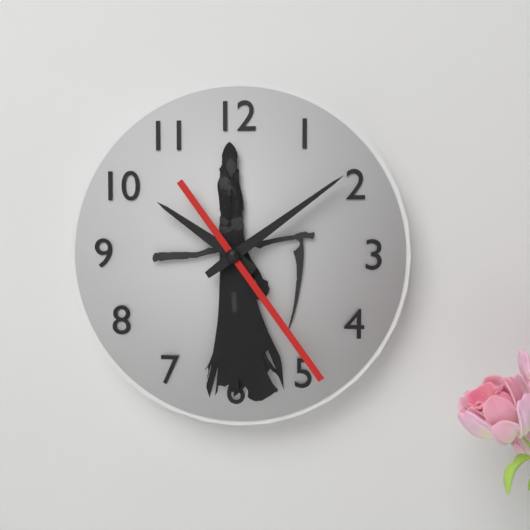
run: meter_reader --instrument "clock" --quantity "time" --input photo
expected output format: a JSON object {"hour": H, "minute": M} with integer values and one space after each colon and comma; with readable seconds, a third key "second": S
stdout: {"hour": 10, "minute": 9, "second": 24}
